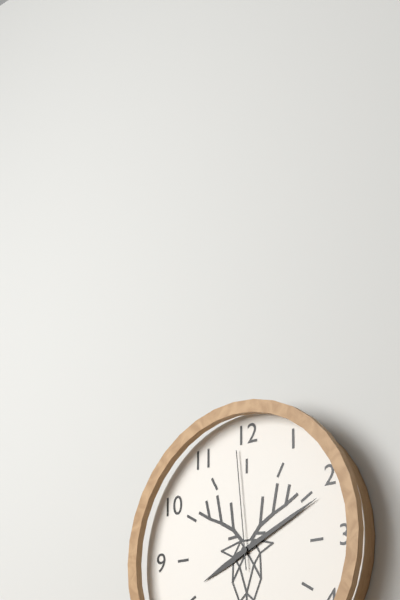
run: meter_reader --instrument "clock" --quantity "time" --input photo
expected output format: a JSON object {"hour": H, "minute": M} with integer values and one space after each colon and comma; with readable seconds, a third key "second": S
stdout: {"hour": 8, "minute": 11, "second": 59}
